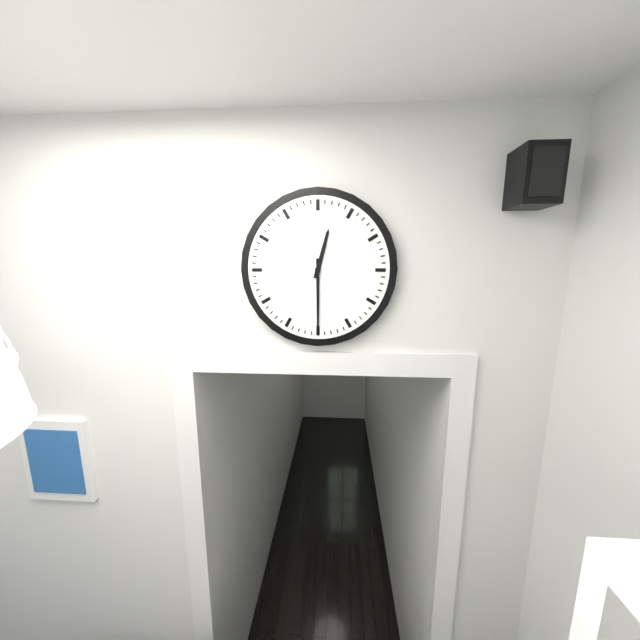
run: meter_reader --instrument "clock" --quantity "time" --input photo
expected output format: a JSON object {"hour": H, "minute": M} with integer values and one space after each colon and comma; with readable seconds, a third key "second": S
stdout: {"hour": 12, "minute": 30}
